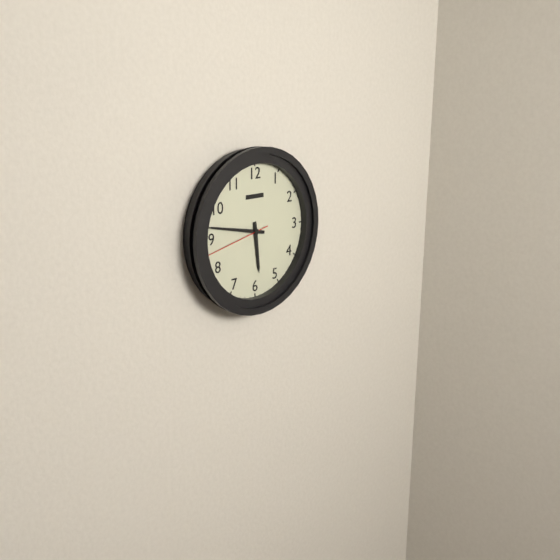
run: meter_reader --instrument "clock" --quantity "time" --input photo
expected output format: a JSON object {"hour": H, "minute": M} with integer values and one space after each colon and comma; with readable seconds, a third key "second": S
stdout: {"hour": 5, "minute": 47, "second": 43}
